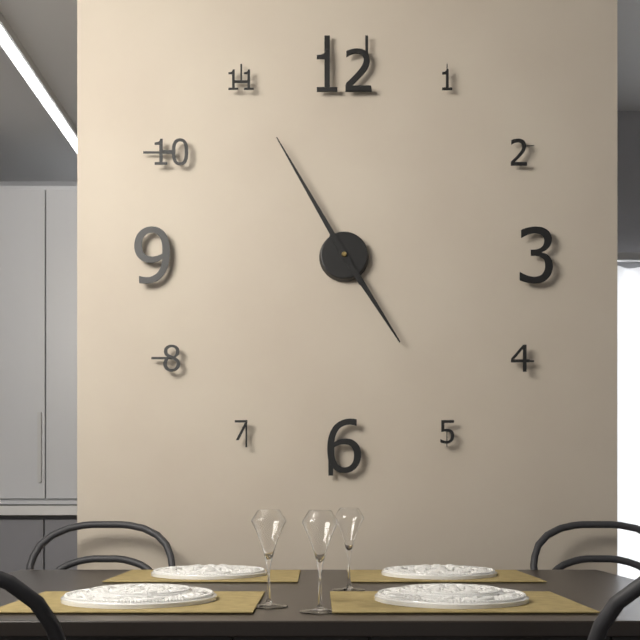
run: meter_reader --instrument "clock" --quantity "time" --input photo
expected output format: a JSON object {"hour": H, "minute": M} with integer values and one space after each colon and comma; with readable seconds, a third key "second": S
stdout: {"hour": 4, "minute": 55}
